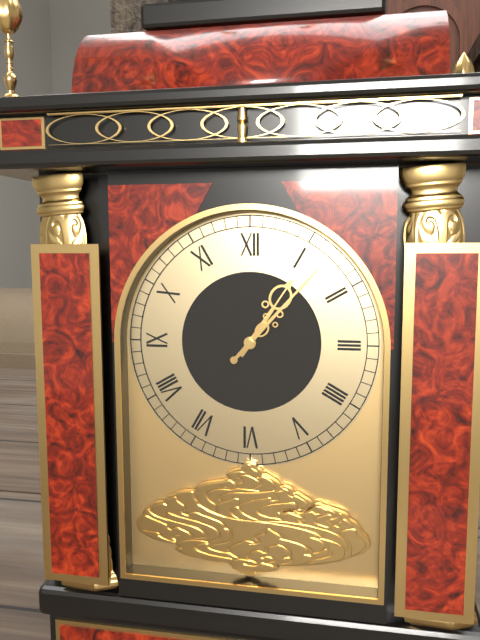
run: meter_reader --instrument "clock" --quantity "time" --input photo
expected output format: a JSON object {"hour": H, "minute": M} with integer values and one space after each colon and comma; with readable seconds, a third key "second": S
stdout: {"hour": 1, "minute": 7}
